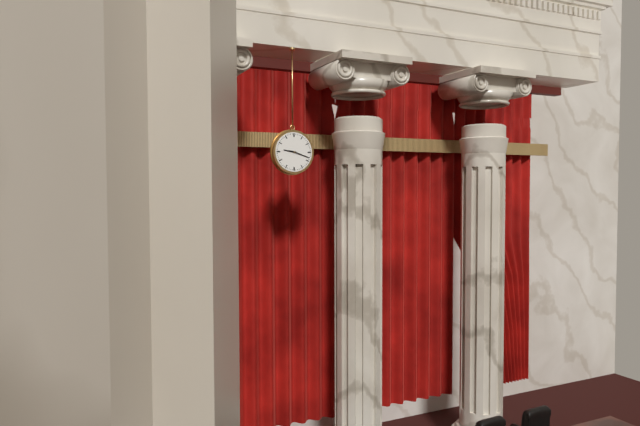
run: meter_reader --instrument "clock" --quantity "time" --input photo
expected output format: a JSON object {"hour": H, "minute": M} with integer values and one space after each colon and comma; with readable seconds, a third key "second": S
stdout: {"hour": 9, "minute": 18}
